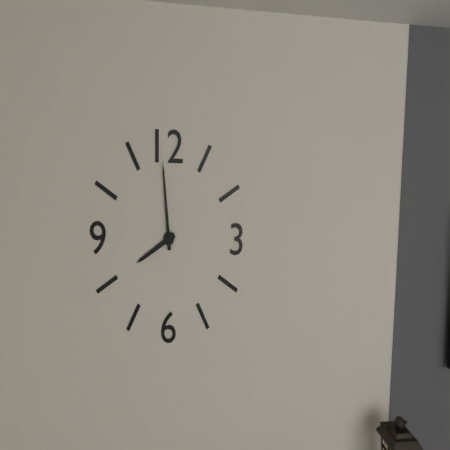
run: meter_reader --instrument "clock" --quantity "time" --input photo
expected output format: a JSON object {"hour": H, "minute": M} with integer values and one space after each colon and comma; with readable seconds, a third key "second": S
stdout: {"hour": 7, "minute": 59}
